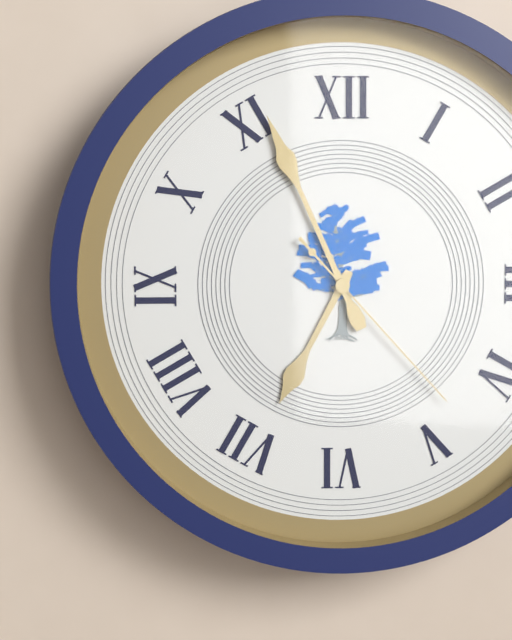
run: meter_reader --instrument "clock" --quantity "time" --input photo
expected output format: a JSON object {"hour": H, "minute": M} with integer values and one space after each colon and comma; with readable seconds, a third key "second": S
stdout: {"hour": 6, "minute": 56, "second": 23}
